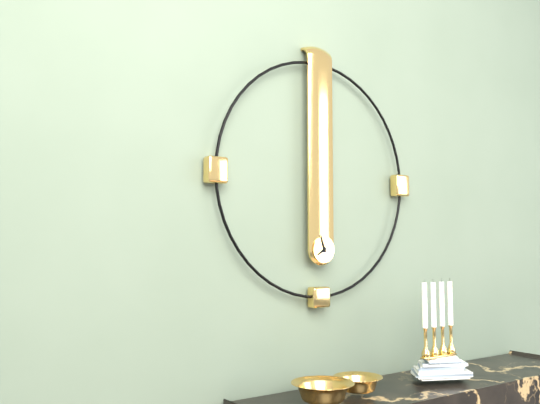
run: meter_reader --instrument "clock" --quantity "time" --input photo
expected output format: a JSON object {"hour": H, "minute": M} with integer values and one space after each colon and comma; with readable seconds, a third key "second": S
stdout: {"hour": 7, "minute": 57}
